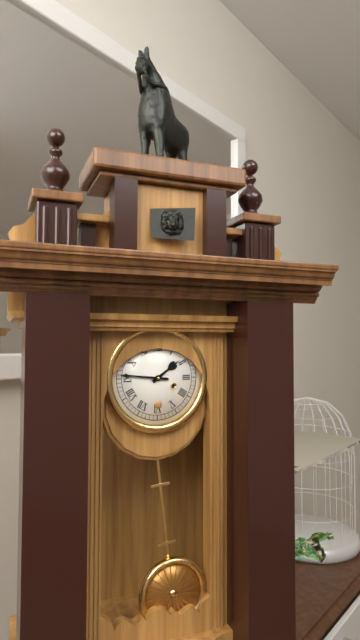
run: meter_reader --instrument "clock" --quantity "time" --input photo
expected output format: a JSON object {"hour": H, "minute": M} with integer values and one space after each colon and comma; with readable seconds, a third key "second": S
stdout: {"hour": 1, "minute": 46}
